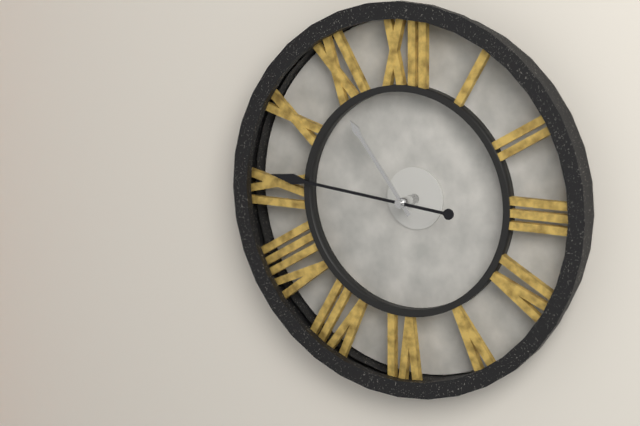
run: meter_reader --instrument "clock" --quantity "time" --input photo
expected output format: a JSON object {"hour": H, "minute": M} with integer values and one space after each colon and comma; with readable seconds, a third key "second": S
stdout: {"hour": 10, "minute": 46}
